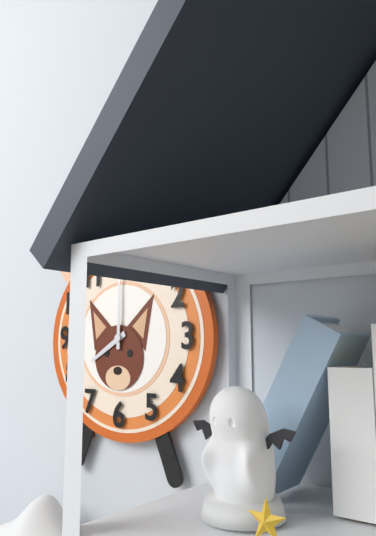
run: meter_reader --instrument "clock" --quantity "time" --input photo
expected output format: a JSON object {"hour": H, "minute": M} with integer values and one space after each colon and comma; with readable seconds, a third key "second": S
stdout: {"hour": 8, "minute": 0}
